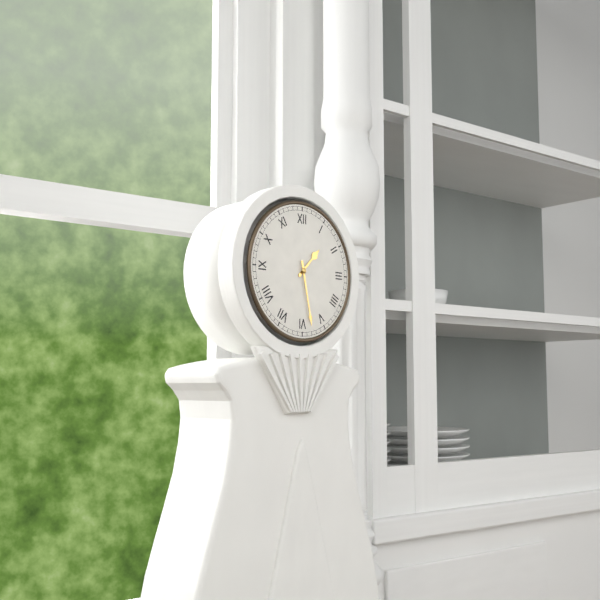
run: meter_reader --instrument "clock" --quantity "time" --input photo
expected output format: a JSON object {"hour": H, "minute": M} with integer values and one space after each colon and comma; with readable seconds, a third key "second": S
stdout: {"hour": 1, "minute": 28}
